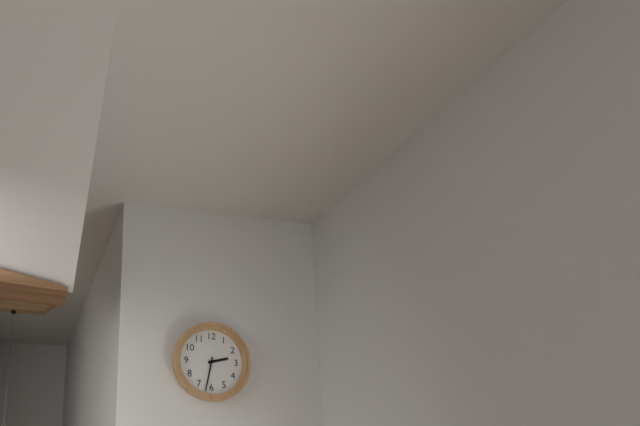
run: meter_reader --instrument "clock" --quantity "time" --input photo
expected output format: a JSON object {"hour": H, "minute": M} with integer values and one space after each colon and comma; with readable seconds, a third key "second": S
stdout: {"hour": 2, "minute": 32}
